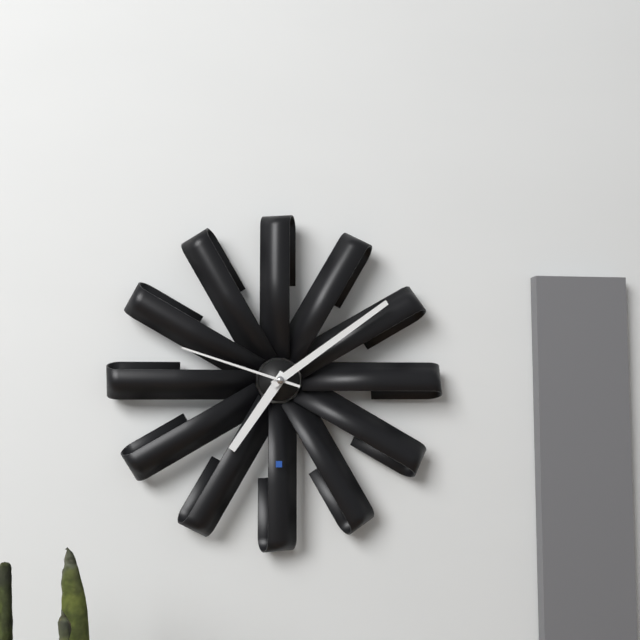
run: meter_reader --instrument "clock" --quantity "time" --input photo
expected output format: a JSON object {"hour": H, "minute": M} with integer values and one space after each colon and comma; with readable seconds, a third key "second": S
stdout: {"hour": 7, "minute": 9, "second": 48}
